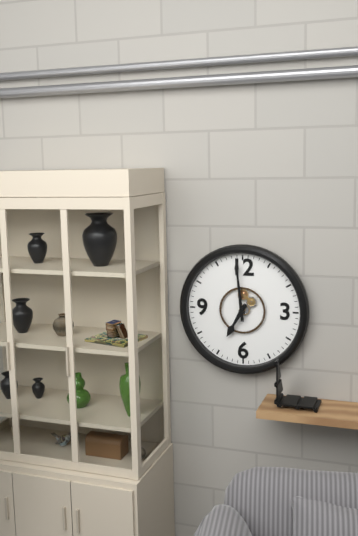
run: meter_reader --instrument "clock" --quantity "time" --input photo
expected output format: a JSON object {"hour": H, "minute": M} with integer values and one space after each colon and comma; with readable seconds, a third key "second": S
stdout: {"hour": 6, "minute": 59}
